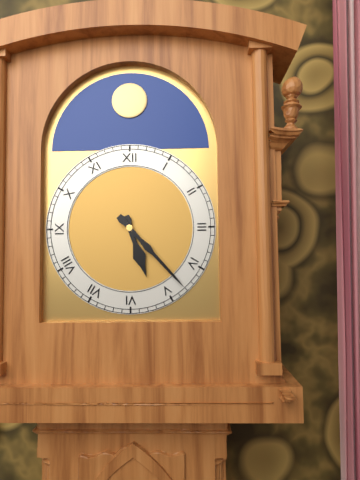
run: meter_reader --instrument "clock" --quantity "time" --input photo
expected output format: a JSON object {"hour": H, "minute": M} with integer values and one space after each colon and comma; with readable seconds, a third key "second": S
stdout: {"hour": 5, "minute": 23}
